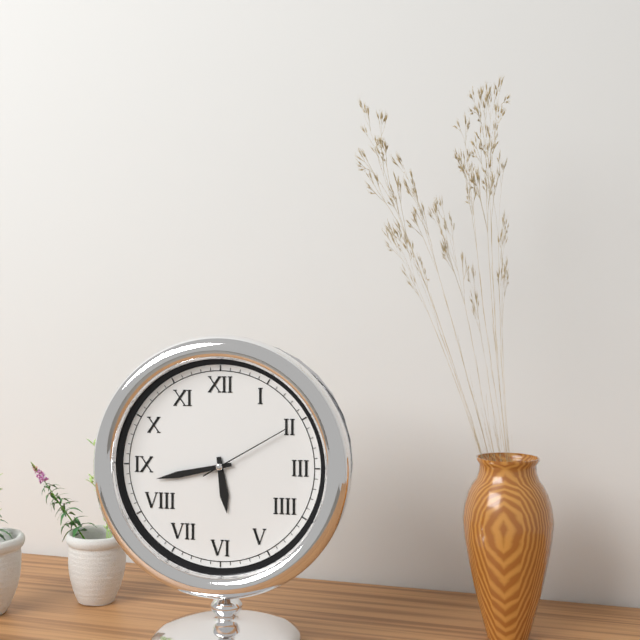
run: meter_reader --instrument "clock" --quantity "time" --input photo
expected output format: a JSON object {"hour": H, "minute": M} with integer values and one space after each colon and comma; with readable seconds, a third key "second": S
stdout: {"hour": 5, "minute": 43, "second": 10}
